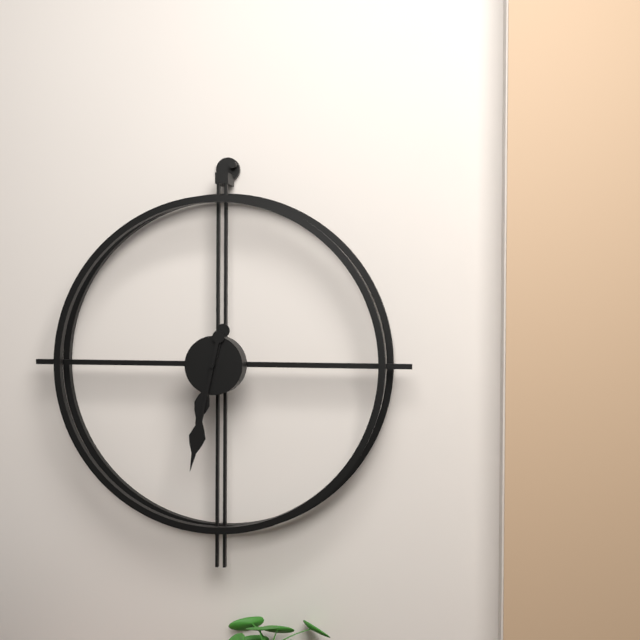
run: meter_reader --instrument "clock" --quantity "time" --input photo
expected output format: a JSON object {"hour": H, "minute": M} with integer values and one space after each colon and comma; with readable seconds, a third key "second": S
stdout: {"hour": 6, "minute": 32}
